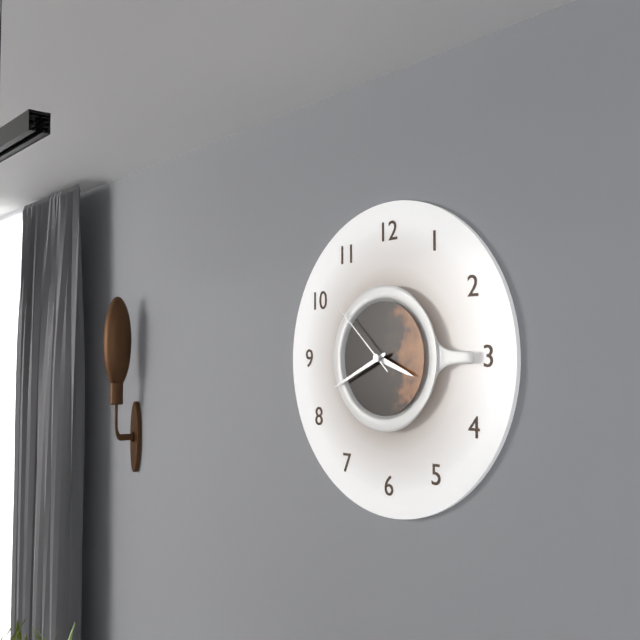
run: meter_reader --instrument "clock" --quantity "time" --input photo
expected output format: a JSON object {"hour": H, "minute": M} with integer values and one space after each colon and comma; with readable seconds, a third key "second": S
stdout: {"hour": 3, "minute": 41, "second": 52}
